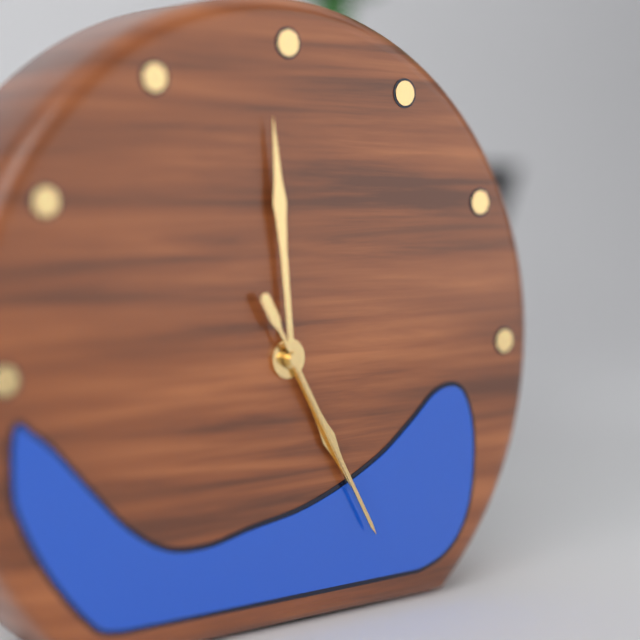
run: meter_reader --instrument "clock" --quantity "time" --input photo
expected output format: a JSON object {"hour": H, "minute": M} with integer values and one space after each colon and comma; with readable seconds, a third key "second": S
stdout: {"hour": 4, "minute": 59, "second": 25}
